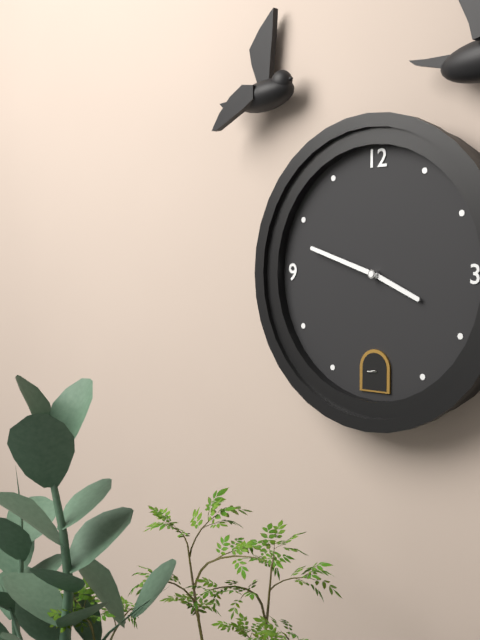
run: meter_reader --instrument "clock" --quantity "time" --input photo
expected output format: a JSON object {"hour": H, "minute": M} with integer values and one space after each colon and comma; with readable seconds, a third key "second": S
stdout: {"hour": 3, "minute": 48}
